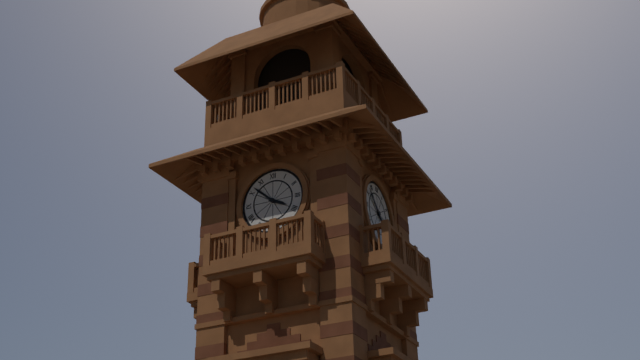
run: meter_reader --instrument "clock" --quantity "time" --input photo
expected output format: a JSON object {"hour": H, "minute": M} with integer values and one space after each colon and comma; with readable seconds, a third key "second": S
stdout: {"hour": 3, "minute": 52}
